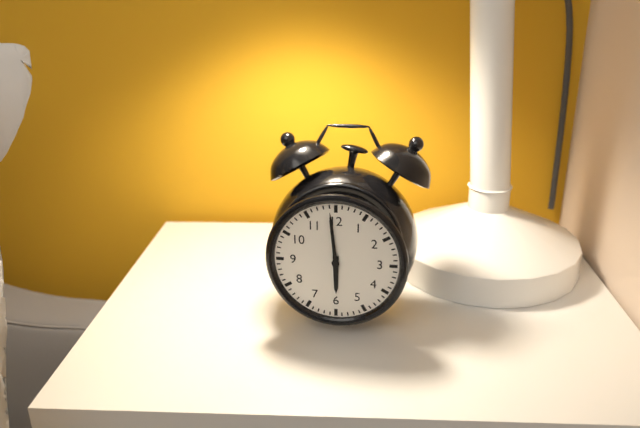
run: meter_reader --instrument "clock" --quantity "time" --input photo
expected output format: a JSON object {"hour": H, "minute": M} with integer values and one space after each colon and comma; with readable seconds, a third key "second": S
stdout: {"hour": 5, "minute": 59}
